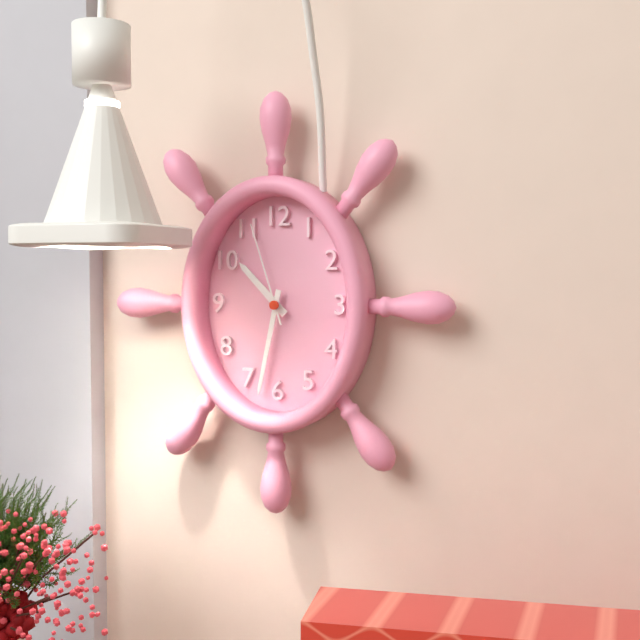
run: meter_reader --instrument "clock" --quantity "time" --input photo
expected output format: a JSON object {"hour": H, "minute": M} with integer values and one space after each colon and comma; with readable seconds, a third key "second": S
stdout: {"hour": 10, "minute": 32, "second": 57}
